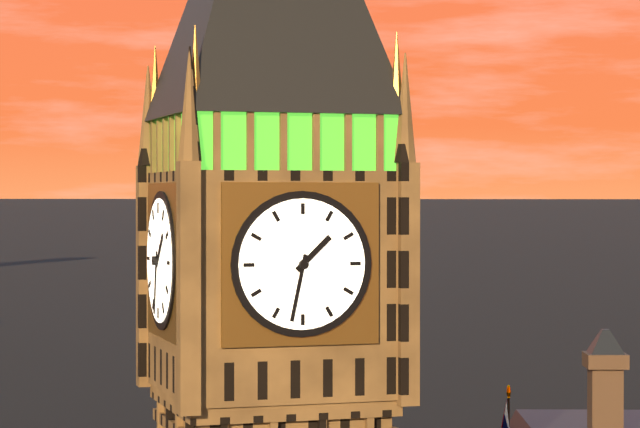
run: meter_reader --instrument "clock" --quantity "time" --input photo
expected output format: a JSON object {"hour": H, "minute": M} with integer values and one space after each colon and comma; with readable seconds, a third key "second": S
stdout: {"hour": 1, "minute": 32}
